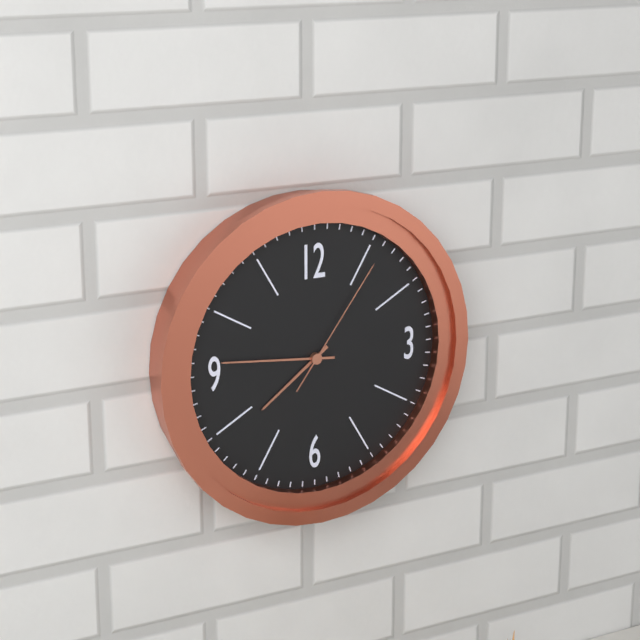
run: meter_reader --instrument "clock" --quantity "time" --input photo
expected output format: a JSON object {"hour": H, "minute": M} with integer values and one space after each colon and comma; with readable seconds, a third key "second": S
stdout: {"hour": 7, "minute": 46, "second": 6}
